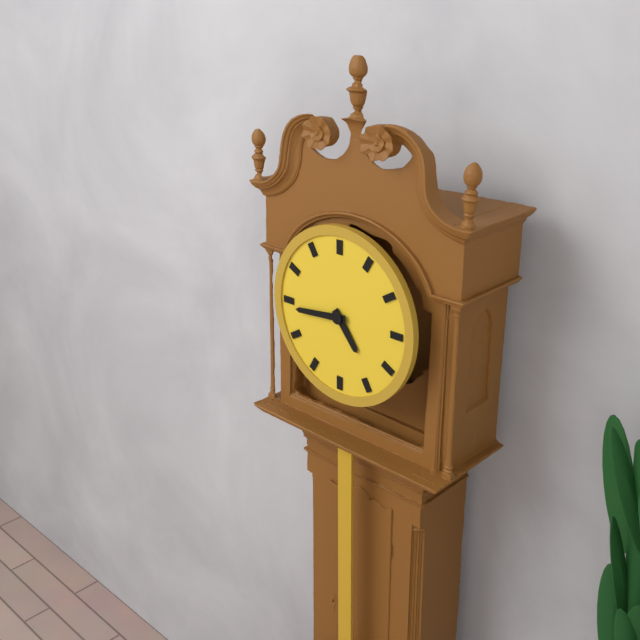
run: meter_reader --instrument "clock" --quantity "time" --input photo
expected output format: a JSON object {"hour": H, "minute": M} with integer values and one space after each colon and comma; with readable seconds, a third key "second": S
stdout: {"hour": 4, "minute": 44}
